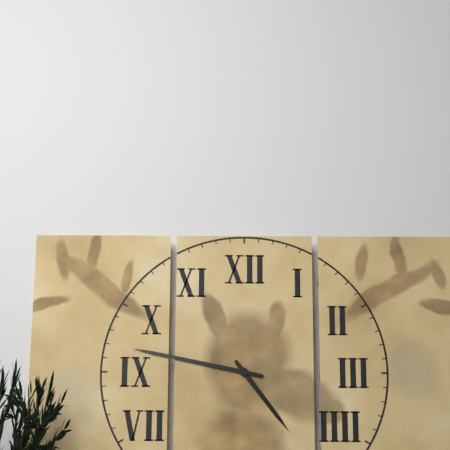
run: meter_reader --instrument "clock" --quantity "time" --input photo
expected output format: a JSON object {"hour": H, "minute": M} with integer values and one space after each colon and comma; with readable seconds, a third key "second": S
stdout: {"hour": 4, "minute": 47}
